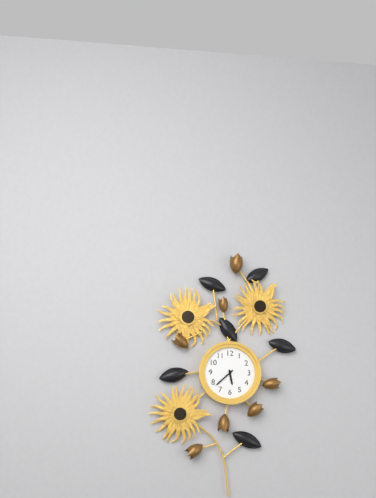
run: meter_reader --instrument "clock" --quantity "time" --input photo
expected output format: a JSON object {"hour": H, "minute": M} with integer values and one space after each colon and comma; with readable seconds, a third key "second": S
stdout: {"hour": 5, "minute": 38}
